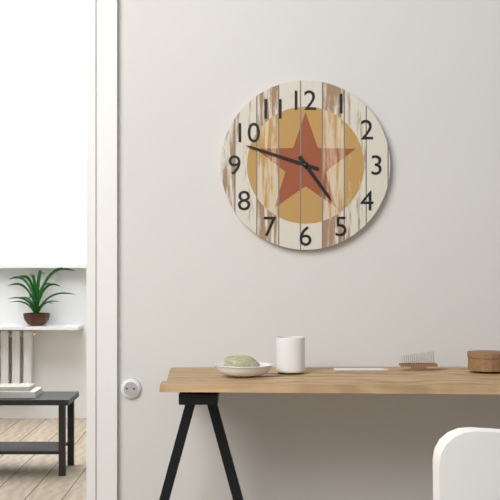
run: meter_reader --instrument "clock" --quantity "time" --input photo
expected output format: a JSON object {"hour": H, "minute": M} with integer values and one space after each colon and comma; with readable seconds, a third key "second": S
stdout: {"hour": 4, "minute": 48}
